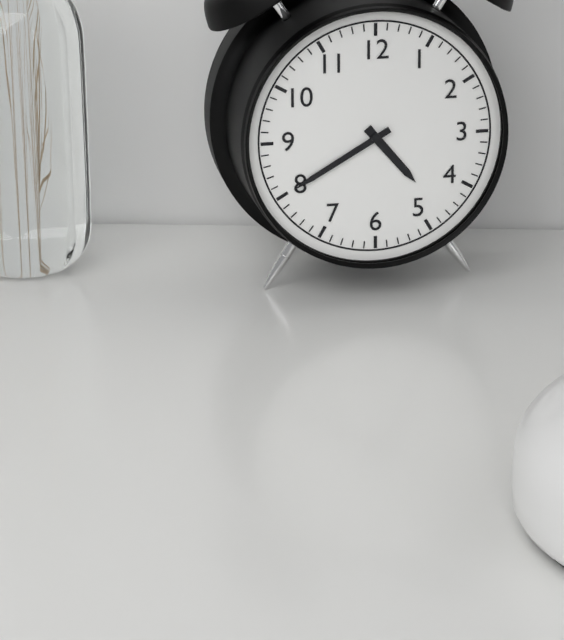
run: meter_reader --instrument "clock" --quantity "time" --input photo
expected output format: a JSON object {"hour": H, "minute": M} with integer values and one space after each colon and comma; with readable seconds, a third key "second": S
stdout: {"hour": 4, "minute": 40}
